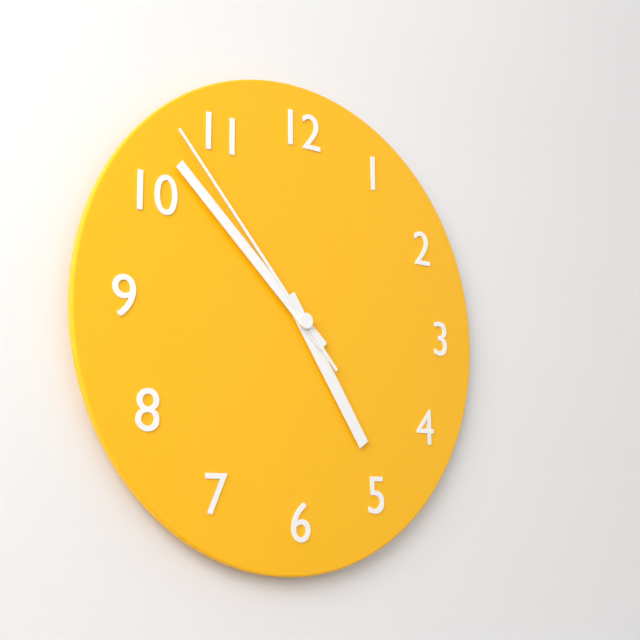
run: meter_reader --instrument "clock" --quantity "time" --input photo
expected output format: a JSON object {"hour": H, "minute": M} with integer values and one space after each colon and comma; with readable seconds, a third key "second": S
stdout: {"hour": 4, "minute": 52, "second": 53}
